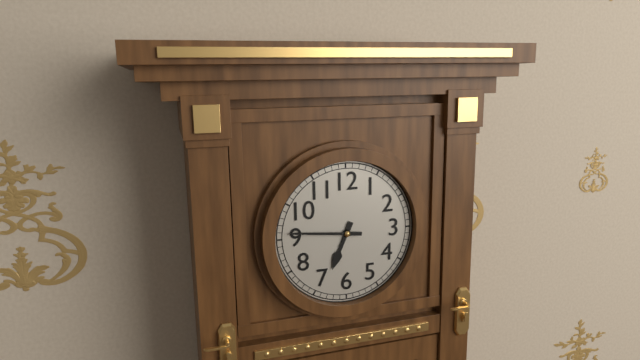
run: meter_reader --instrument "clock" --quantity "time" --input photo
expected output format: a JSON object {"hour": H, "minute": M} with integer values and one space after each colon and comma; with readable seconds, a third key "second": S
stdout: {"hour": 6, "minute": 46}
